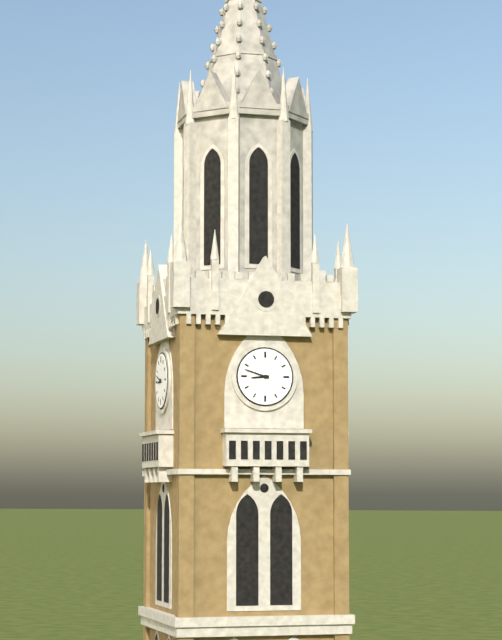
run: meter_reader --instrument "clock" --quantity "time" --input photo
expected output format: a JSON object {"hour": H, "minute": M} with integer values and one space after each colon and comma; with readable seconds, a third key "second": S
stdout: {"hour": 8, "minute": 48}
